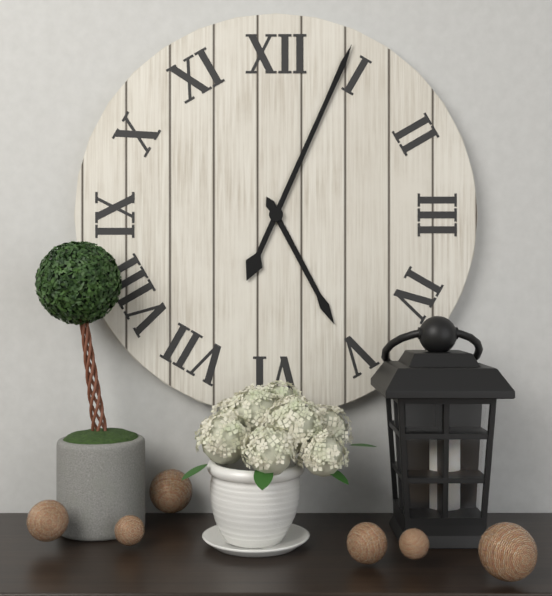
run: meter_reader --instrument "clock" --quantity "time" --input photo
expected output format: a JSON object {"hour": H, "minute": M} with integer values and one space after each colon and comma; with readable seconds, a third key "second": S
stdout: {"hour": 5, "minute": 4}
